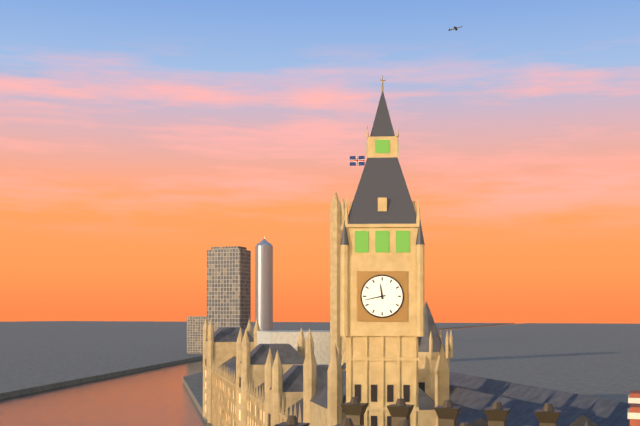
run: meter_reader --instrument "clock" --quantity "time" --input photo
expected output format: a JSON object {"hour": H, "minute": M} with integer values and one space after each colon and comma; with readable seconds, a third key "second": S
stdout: {"hour": 11, "minute": 43}
